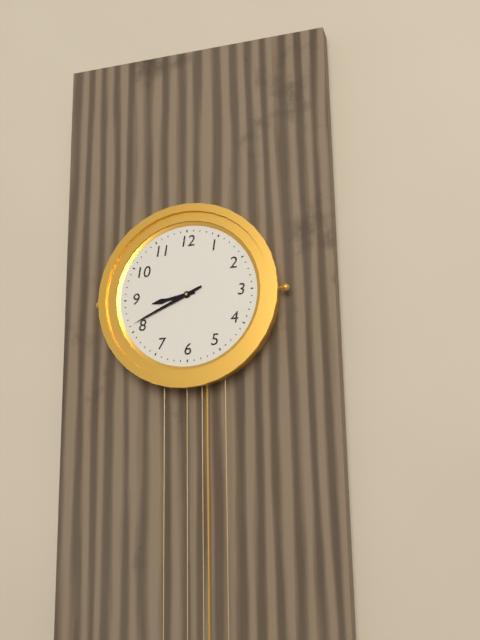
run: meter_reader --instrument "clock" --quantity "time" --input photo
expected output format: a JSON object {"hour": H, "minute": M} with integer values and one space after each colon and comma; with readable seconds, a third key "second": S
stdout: {"hour": 8, "minute": 41}
